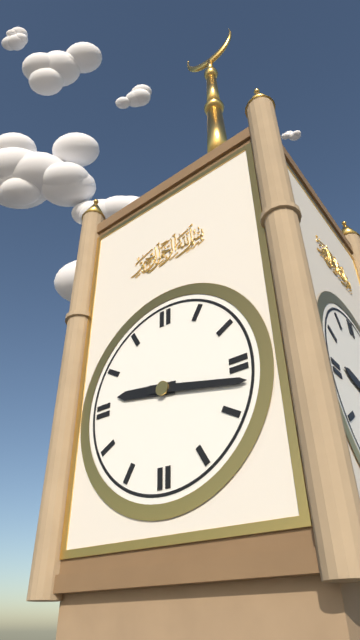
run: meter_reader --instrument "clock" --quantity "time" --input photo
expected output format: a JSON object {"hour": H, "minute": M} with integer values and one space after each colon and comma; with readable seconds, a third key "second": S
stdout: {"hour": 9, "minute": 17}
